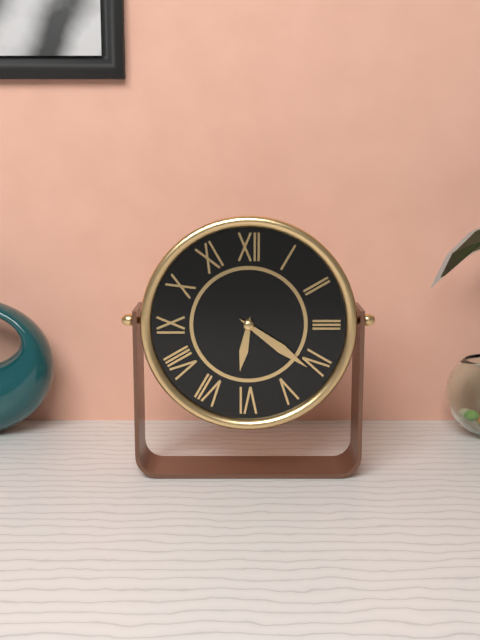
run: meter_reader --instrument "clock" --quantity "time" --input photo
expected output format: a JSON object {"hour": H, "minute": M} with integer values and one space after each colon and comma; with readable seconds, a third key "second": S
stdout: {"hour": 6, "minute": 21}
